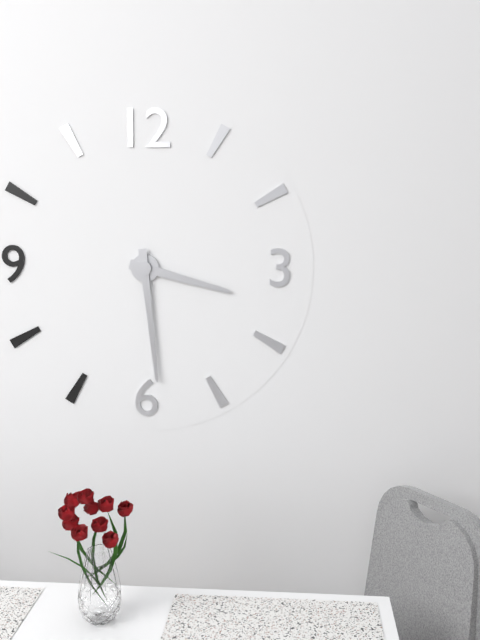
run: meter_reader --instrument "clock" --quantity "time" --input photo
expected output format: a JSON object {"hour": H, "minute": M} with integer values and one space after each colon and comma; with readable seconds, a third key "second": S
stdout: {"hour": 3, "minute": 29}
